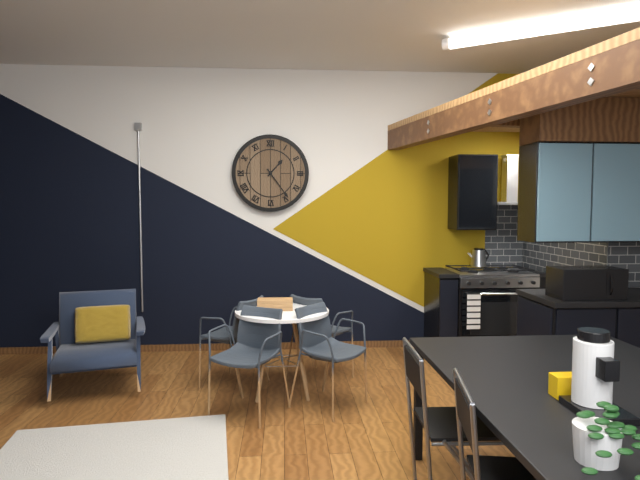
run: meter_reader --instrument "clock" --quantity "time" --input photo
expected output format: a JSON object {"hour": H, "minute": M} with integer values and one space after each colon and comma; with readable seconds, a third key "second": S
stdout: {"hour": 1, "minute": 24}
